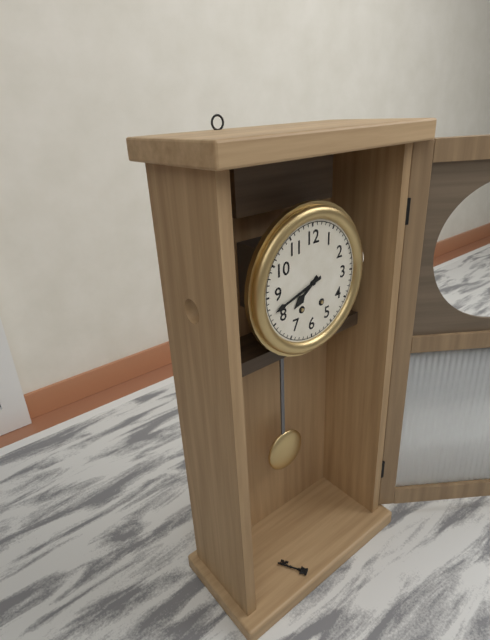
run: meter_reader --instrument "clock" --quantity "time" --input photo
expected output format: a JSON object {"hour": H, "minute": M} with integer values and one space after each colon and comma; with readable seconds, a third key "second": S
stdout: {"hour": 7, "minute": 42}
